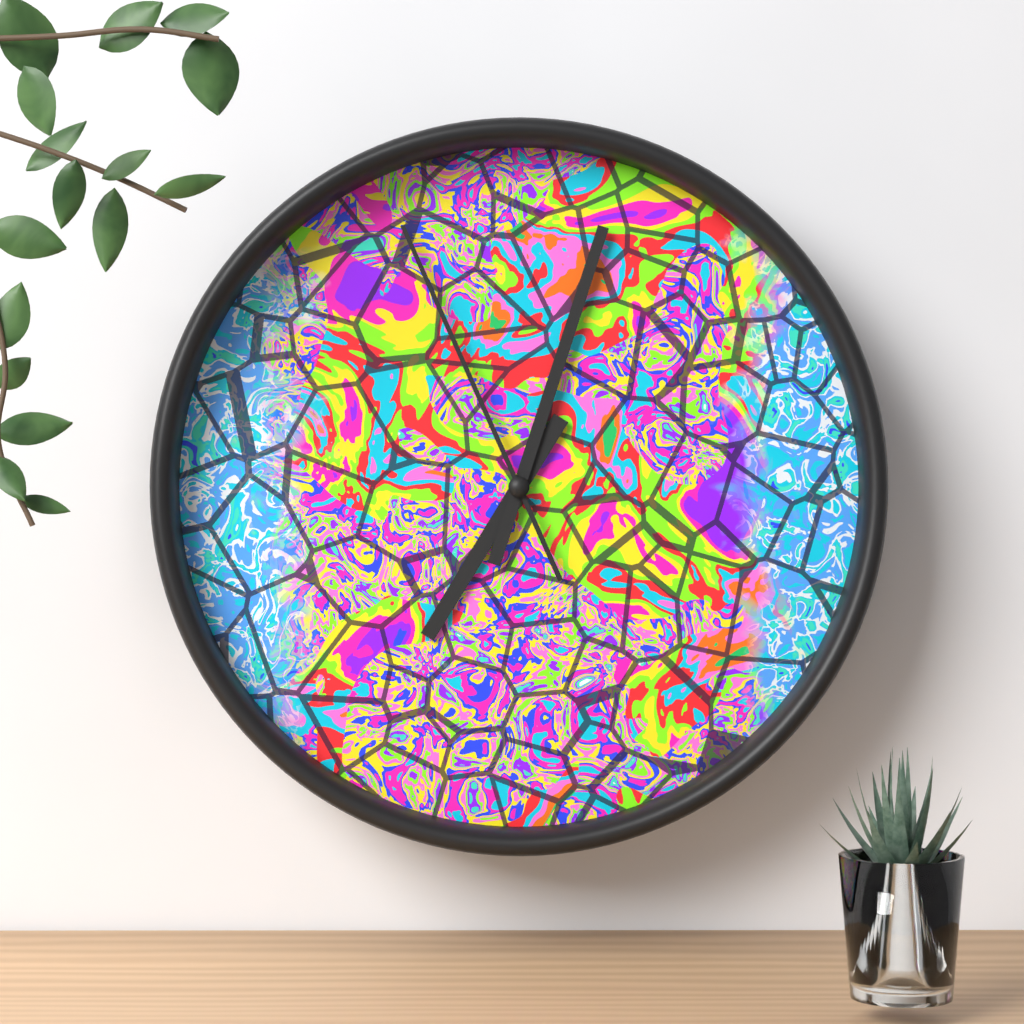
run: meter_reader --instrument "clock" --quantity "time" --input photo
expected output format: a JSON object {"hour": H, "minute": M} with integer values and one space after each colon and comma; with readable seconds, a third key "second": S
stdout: {"hour": 7, "minute": 3, "second": 56}
